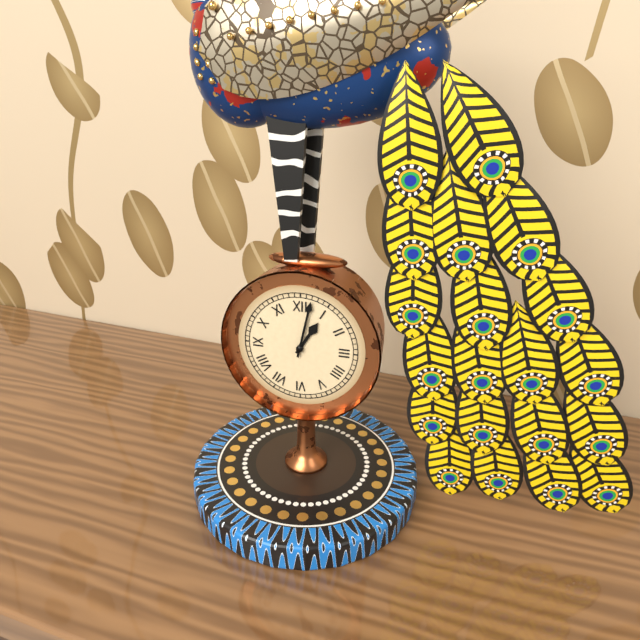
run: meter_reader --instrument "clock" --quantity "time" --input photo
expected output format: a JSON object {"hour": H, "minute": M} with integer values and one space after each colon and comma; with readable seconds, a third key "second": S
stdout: {"hour": 1, "minute": 2}
